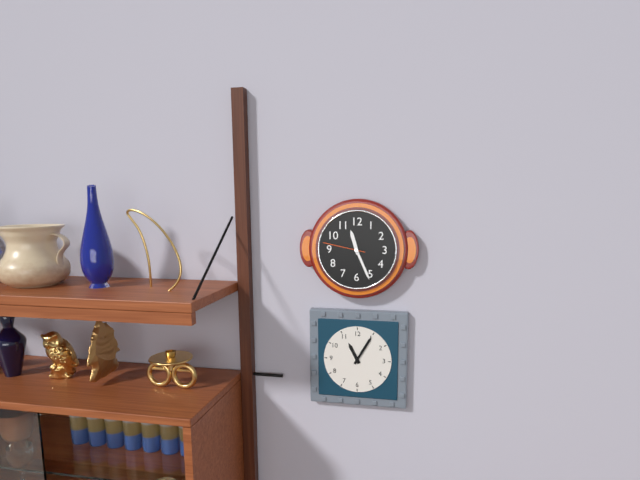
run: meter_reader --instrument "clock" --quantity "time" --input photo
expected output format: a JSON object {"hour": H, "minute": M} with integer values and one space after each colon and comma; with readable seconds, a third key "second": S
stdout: {"hour": 11, "minute": 26}
